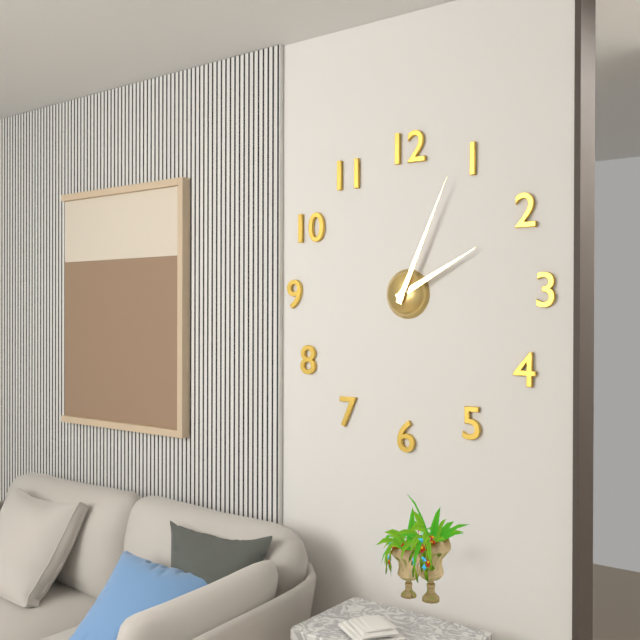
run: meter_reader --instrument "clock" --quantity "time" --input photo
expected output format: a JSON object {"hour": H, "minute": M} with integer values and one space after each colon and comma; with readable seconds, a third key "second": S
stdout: {"hour": 2, "minute": 4}
